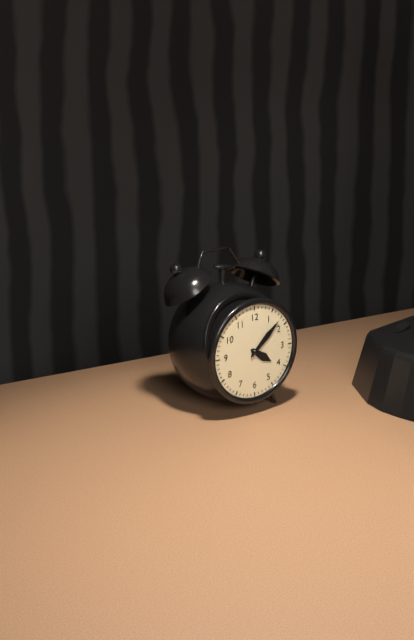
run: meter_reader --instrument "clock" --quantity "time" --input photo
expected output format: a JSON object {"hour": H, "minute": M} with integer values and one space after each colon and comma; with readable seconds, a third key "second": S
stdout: {"hour": 4, "minute": 8}
